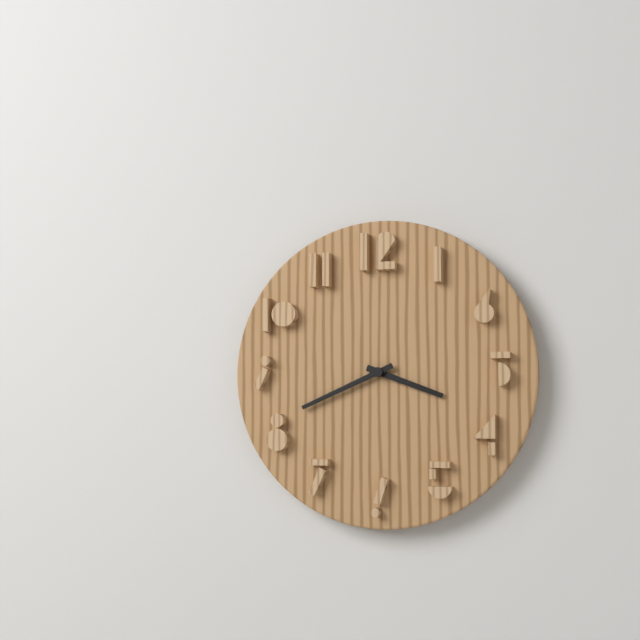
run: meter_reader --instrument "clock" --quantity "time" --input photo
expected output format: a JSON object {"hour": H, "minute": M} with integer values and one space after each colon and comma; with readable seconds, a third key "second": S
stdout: {"hour": 3, "minute": 41}
